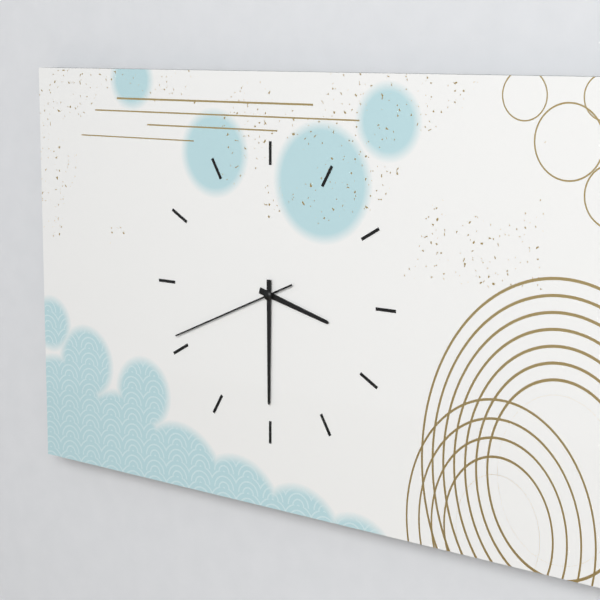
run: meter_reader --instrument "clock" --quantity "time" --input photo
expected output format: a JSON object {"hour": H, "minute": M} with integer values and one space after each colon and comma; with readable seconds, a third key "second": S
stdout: {"hour": 3, "minute": 30, "second": 41}
